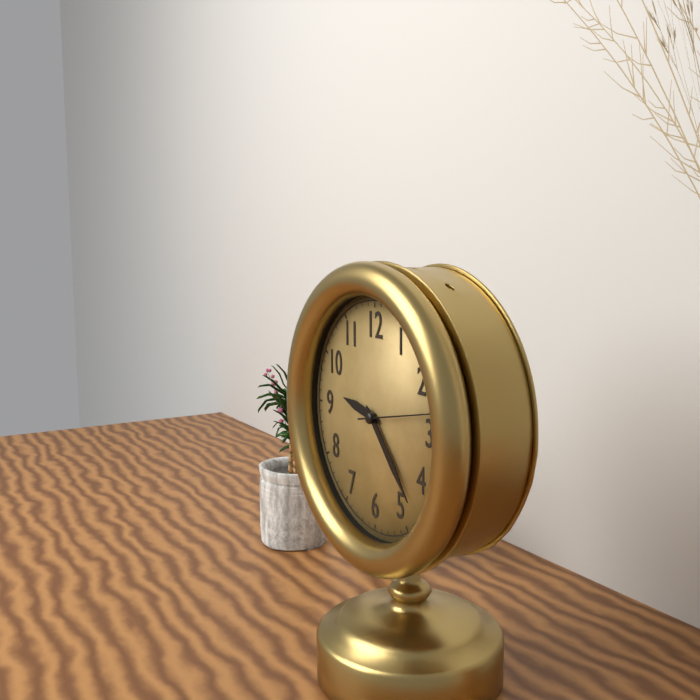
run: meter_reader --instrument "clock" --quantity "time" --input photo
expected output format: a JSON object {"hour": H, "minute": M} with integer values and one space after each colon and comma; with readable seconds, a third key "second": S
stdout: {"hour": 9, "minute": 23, "second": 13}
